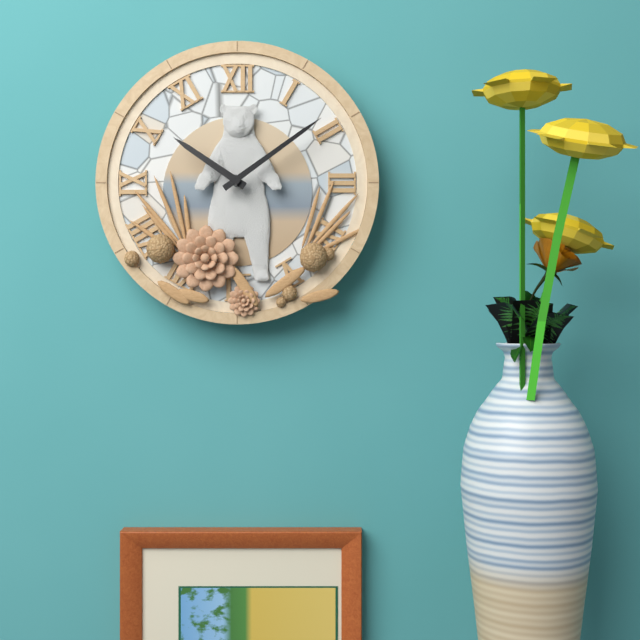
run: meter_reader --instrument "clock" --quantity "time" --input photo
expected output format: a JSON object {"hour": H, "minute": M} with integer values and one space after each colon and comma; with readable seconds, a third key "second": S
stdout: {"hour": 10, "minute": 9}
